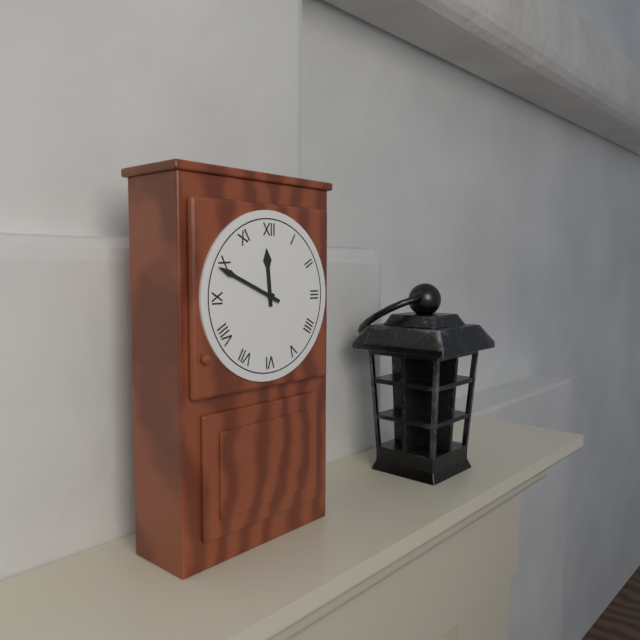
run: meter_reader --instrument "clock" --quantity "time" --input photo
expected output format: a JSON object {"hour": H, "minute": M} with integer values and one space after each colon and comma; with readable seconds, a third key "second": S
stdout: {"hour": 11, "minute": 49}
